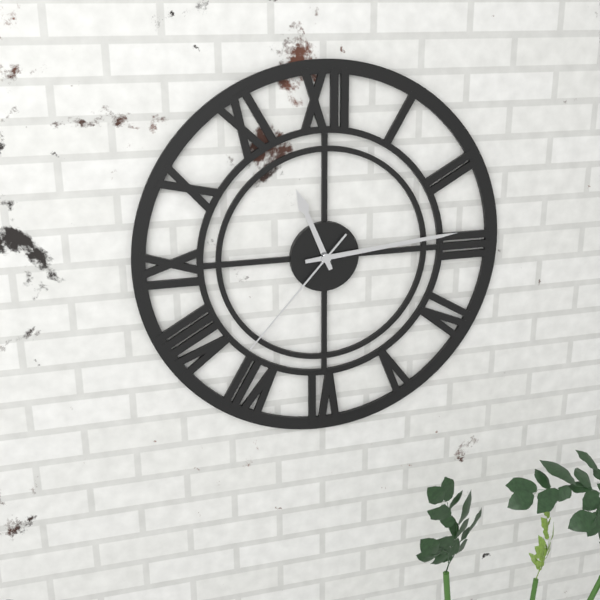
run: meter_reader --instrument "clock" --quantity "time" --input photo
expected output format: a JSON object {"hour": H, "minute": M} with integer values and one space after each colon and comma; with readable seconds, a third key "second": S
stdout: {"hour": 11, "minute": 14, "second": 37}
